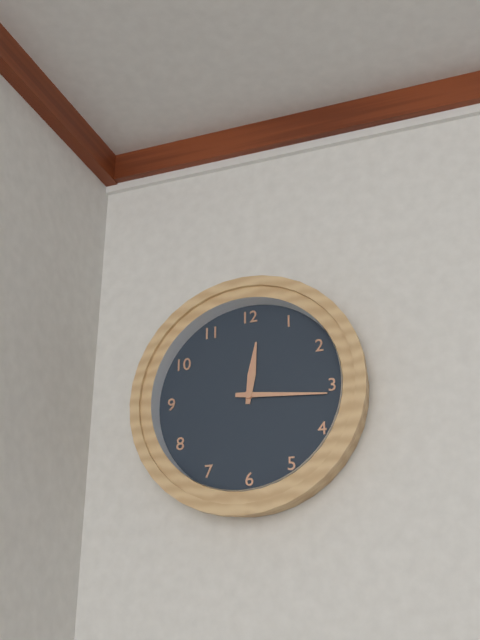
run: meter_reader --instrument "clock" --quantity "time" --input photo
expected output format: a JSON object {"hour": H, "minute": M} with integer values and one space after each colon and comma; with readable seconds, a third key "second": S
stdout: {"hour": 12, "minute": 16}
